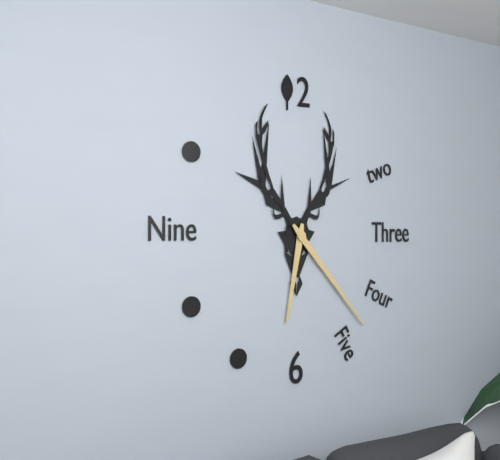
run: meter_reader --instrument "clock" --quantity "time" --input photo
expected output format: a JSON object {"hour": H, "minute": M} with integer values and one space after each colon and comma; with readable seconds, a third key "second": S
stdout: {"hour": 6, "minute": 23}
